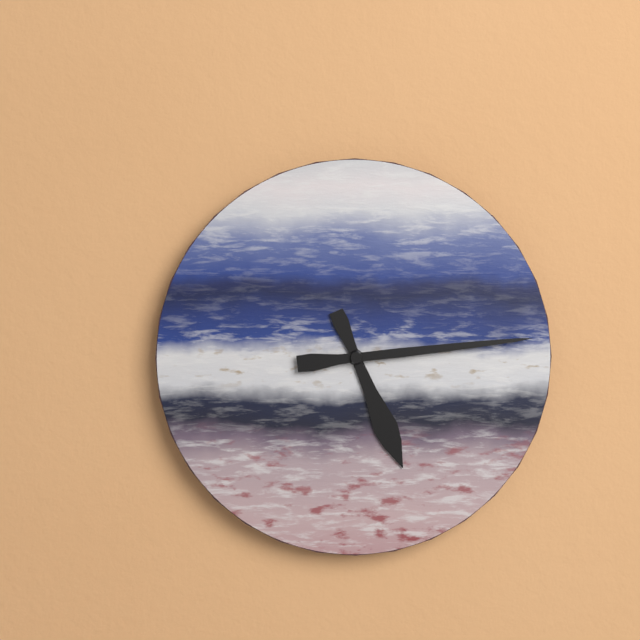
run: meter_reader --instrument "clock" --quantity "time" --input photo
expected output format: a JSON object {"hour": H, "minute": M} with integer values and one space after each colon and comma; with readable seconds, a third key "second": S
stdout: {"hour": 5, "minute": 14}
